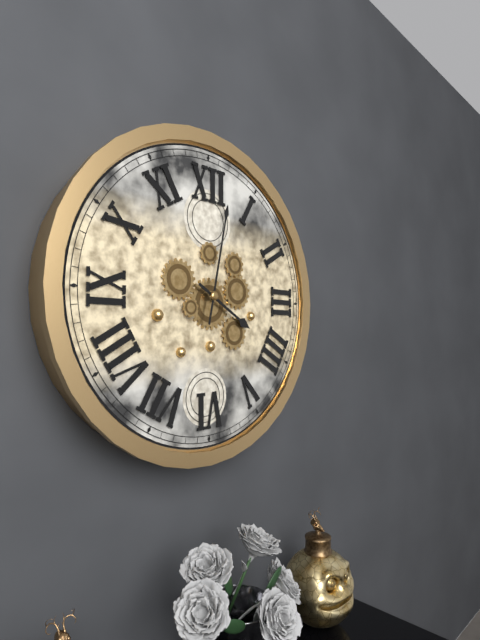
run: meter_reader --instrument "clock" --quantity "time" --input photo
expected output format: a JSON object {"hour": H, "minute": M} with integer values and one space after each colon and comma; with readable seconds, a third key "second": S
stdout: {"hour": 4, "minute": 2}
